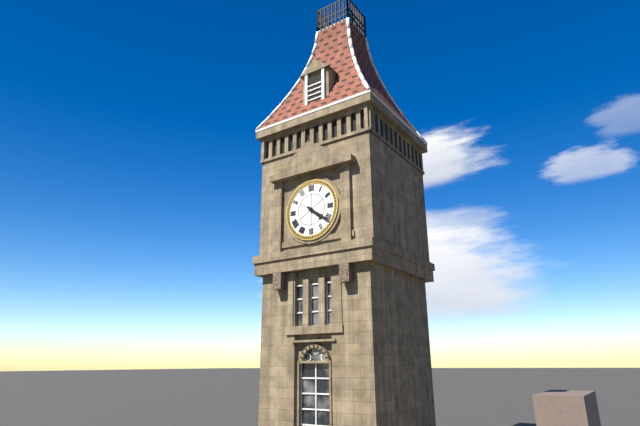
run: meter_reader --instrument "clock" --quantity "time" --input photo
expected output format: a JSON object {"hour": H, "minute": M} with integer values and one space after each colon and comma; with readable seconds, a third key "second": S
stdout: {"hour": 4, "minute": 21}
